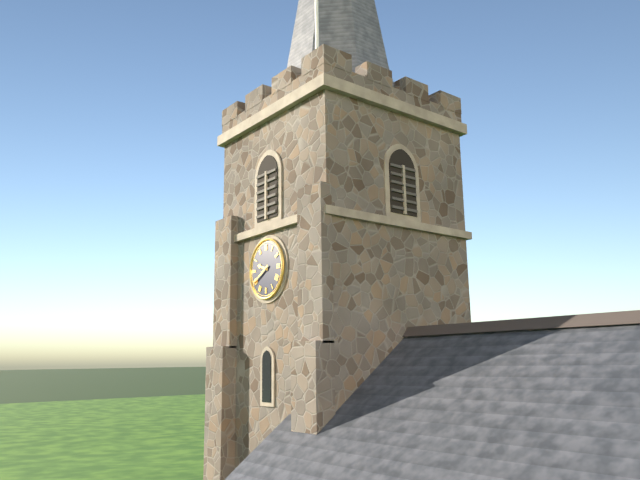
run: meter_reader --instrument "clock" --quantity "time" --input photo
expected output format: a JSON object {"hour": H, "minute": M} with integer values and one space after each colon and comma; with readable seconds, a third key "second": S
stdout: {"hour": 9, "minute": 40}
